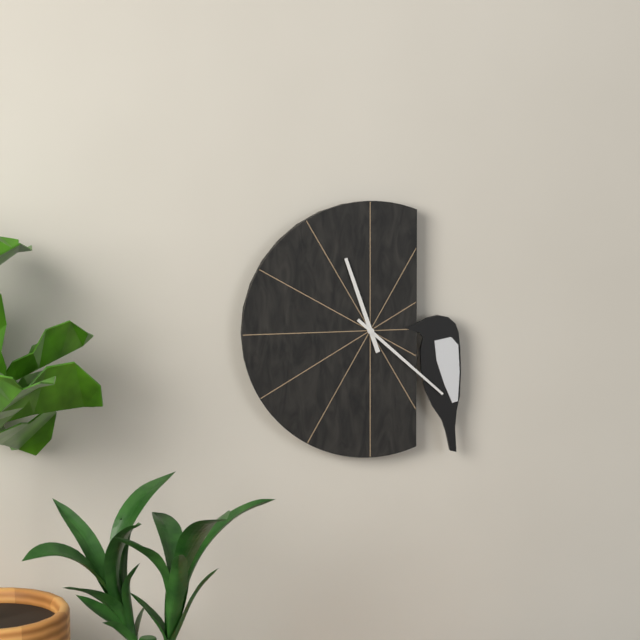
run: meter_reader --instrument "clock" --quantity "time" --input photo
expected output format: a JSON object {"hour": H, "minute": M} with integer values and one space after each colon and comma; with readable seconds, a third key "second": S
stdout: {"hour": 11, "minute": 22}
